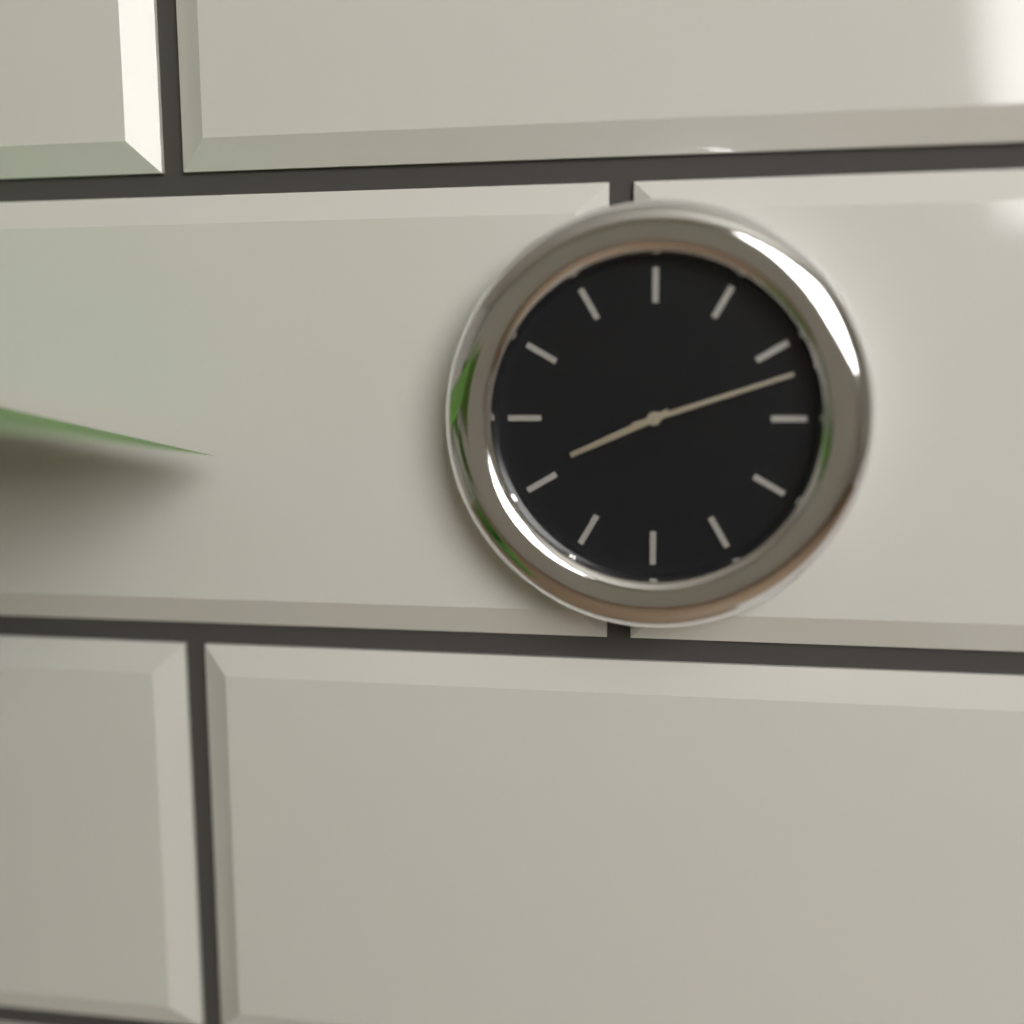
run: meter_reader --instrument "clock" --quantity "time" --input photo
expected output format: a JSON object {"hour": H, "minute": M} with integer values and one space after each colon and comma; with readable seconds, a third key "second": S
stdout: {"hour": 8, "minute": 12}
